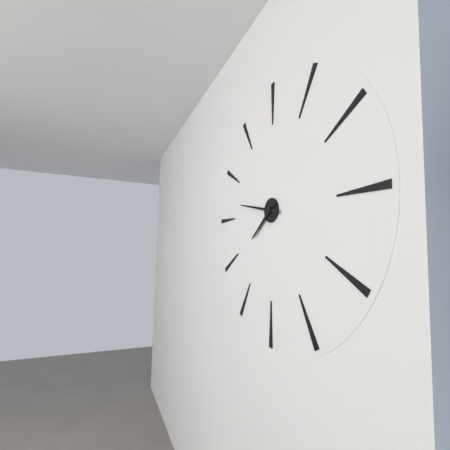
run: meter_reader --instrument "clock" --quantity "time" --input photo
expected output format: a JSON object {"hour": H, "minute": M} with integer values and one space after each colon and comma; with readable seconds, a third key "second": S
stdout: {"hour": 7, "minute": 47}
